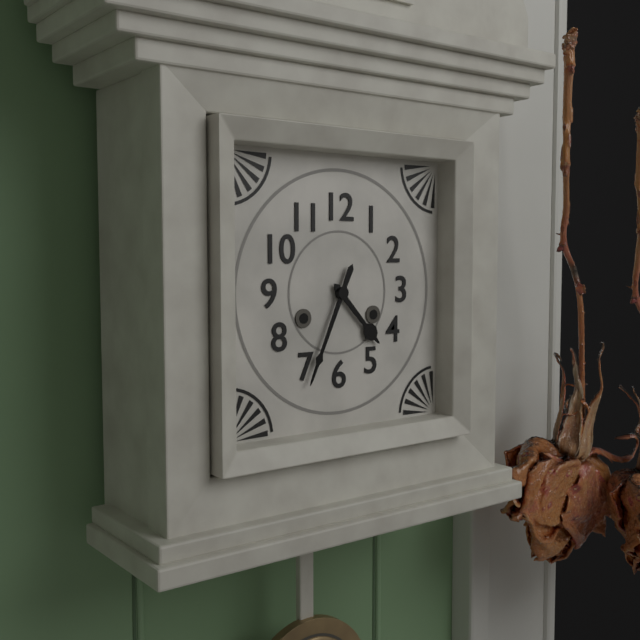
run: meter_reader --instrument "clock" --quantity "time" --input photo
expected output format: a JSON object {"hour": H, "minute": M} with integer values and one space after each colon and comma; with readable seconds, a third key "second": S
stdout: {"hour": 4, "minute": 34}
